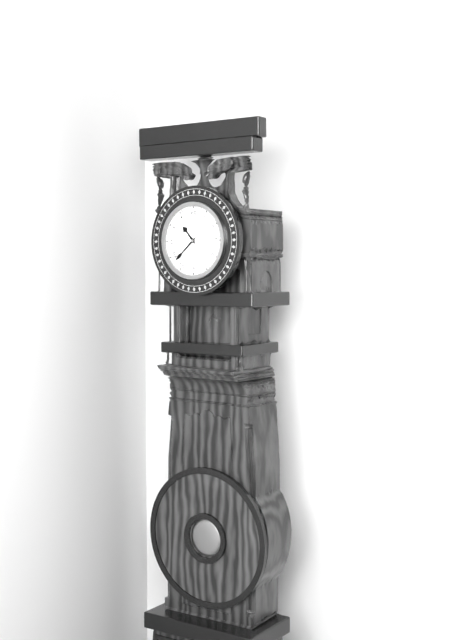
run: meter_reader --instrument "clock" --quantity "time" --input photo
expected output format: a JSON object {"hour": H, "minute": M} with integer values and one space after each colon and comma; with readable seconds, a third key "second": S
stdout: {"hour": 10, "minute": 38}
